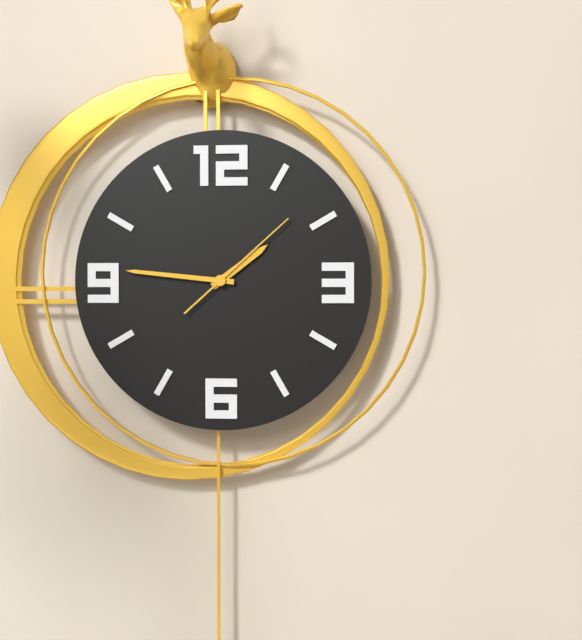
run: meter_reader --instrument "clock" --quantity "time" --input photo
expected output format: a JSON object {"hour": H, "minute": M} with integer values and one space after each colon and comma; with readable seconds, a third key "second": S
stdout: {"hour": 1, "minute": 46, "second": 8}
